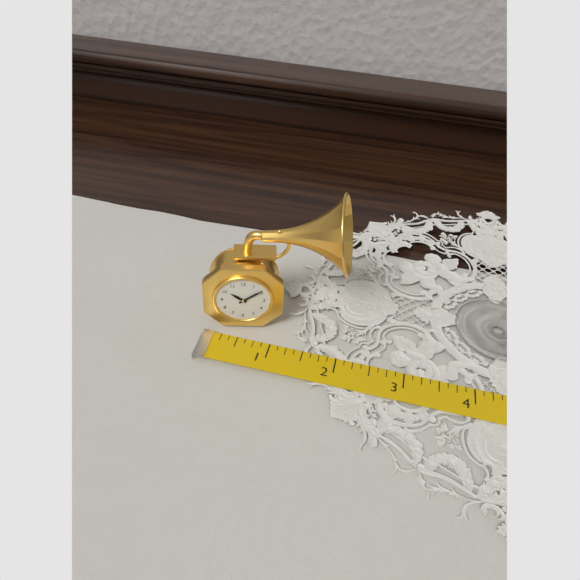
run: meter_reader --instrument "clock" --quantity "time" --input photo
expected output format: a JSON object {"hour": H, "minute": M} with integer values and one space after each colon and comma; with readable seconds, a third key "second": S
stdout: {"hour": 10, "minute": 9}
